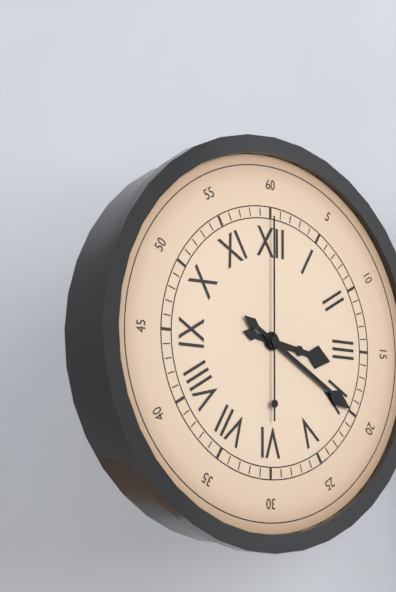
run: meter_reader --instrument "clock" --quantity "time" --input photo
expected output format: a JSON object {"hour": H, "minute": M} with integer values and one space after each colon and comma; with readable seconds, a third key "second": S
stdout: {"hour": 3, "minute": 20, "second": 0}
